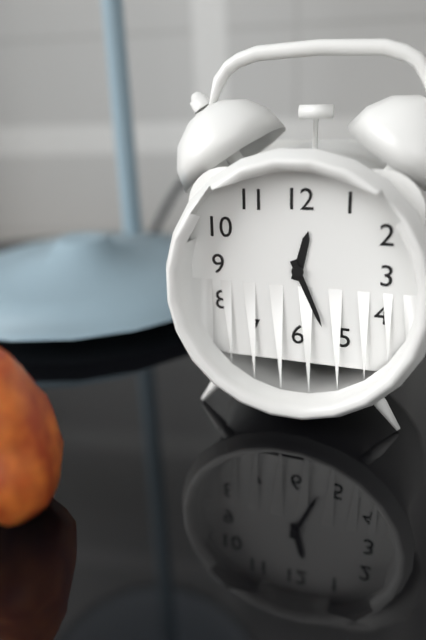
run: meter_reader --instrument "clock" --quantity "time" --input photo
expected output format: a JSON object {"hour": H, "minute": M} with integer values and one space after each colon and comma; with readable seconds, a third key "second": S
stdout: {"hour": 12, "minute": 26}
